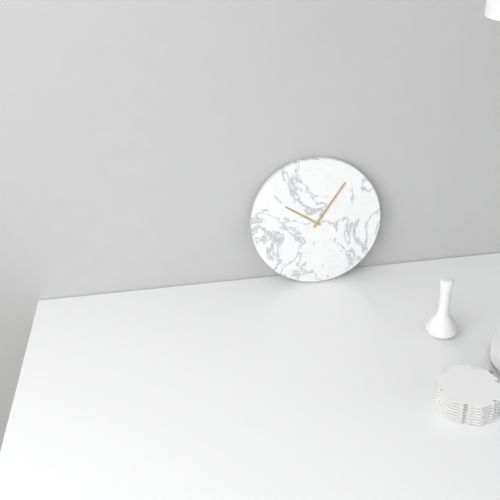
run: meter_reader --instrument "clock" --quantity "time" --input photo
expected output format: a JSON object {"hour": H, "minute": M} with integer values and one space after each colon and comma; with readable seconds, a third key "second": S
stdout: {"hour": 10, "minute": 6}
